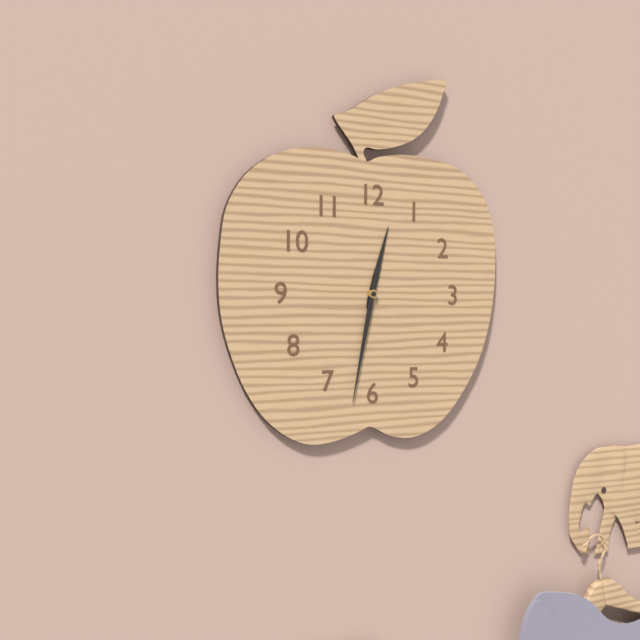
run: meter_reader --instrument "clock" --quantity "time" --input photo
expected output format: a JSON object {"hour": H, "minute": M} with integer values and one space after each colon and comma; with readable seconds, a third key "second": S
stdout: {"hour": 12, "minute": 32}
